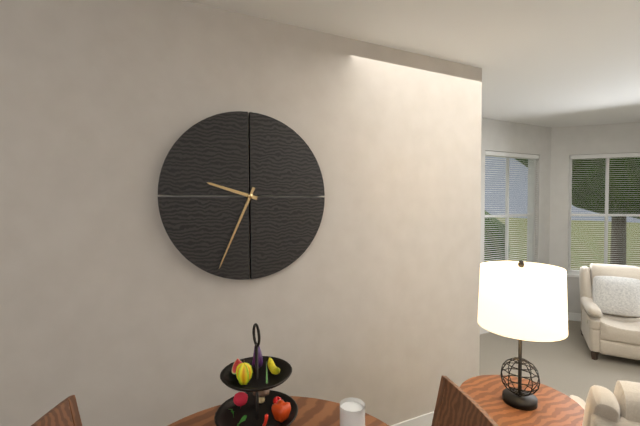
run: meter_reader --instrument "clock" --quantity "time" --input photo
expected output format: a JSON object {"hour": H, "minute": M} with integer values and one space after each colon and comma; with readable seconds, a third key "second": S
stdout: {"hour": 9, "minute": 34}
